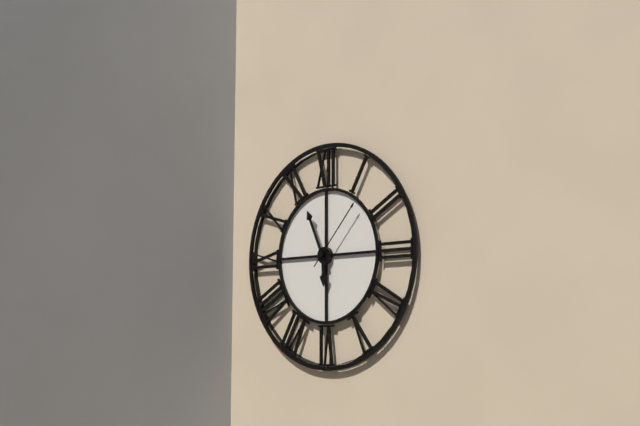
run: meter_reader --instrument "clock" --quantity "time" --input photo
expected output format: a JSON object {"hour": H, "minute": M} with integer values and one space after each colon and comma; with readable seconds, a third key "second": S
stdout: {"hour": 5, "minute": 56, "second": 7}
